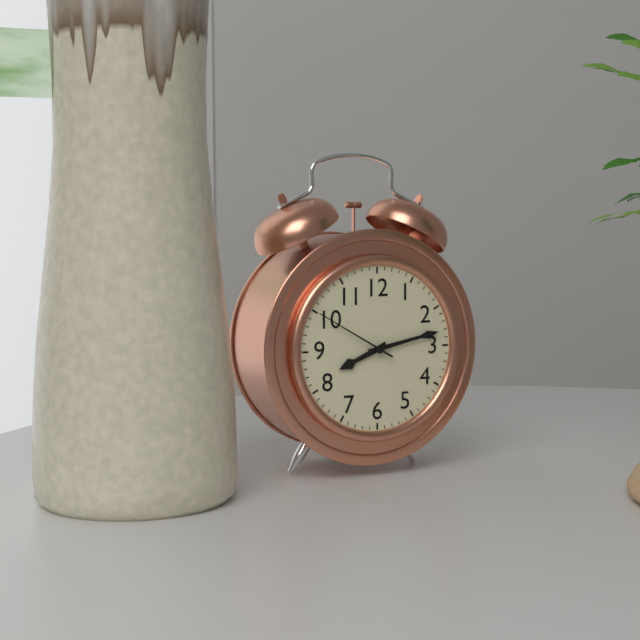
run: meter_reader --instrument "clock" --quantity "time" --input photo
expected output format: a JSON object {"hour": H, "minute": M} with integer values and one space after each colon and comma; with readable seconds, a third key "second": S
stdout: {"hour": 8, "minute": 13, "second": 50}
